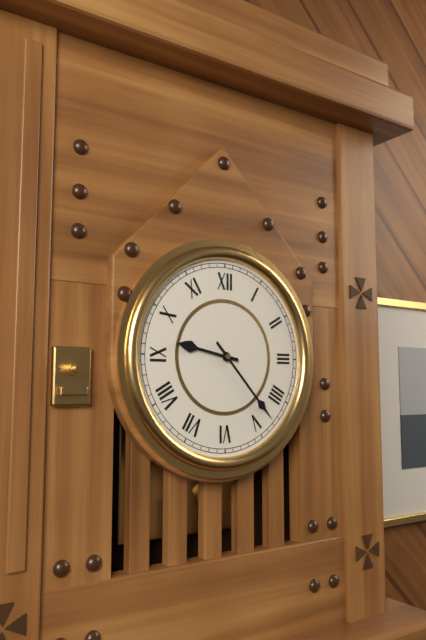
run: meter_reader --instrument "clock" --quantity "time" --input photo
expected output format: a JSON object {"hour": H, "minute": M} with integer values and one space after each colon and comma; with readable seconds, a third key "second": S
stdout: {"hour": 9, "minute": 23}
